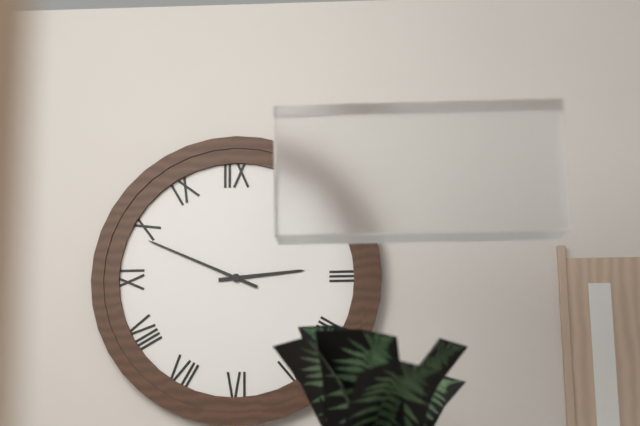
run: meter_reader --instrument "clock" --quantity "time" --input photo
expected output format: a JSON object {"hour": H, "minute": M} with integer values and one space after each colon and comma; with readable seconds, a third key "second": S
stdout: {"hour": 2, "minute": 49}
